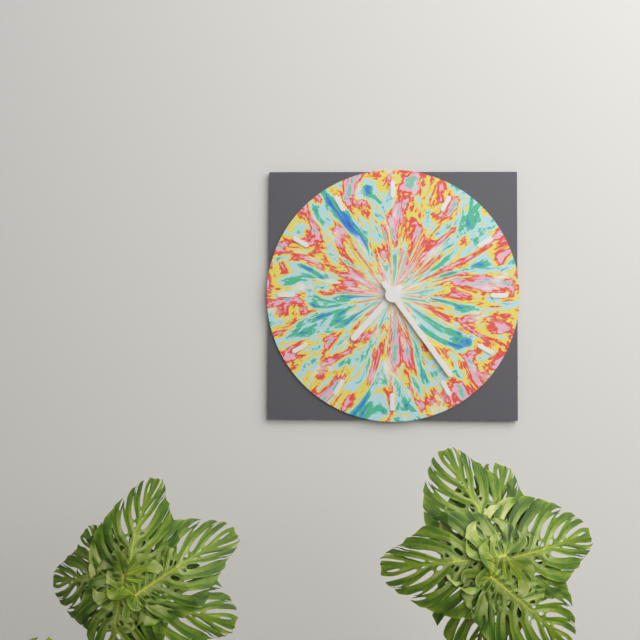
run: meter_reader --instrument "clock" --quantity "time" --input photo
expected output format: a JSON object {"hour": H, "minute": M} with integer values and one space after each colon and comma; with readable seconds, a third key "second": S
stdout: {"hour": 7, "minute": 24}
